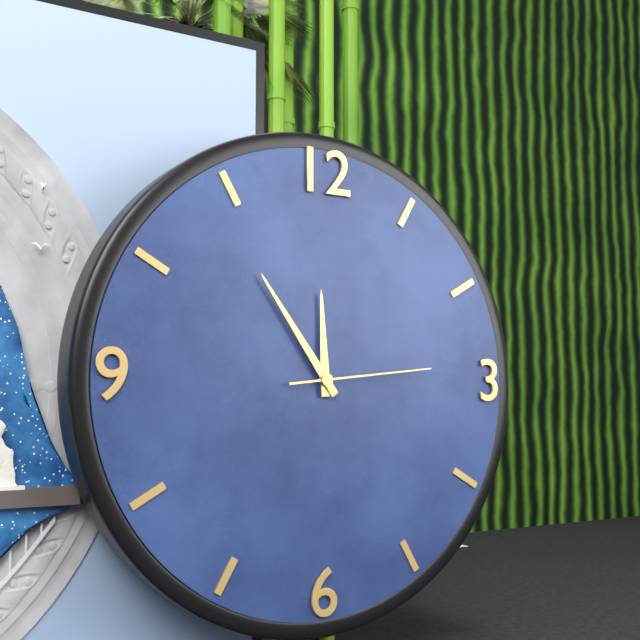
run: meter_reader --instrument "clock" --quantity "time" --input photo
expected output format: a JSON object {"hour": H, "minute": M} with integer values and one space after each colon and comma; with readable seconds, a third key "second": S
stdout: {"hour": 11, "minute": 54, "second": 14}
